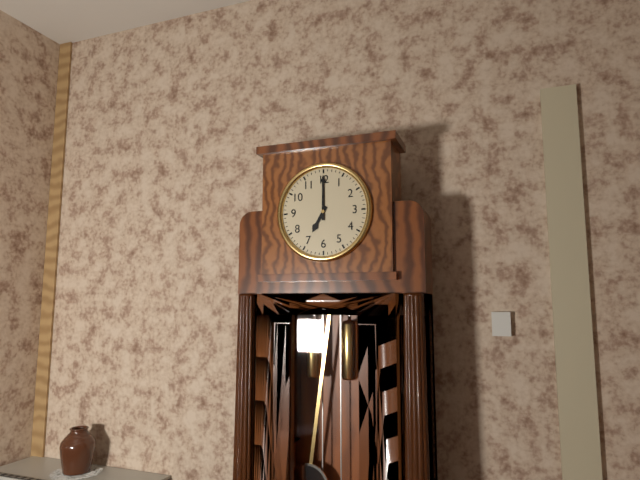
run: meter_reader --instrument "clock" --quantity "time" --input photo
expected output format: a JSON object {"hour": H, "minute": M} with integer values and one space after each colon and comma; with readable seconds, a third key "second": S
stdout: {"hour": 7, "minute": 0}
